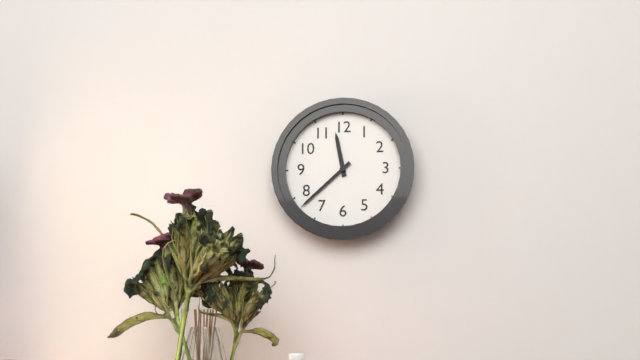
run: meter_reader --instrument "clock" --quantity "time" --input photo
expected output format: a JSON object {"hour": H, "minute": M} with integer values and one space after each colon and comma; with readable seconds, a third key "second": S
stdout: {"hour": 11, "minute": 38}
